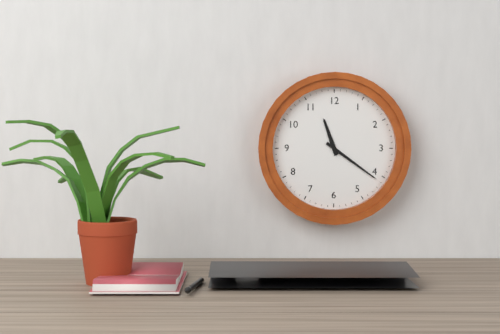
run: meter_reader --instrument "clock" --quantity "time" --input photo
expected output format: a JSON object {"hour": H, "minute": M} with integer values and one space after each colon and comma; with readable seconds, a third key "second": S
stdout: {"hour": 11, "minute": 21}
